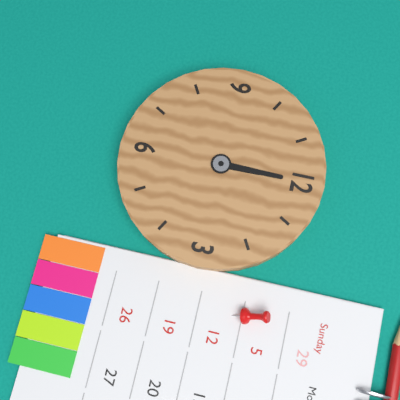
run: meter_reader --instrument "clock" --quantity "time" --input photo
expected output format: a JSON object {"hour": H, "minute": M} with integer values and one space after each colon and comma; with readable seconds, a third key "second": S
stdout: {"hour": 12, "minute": 0}
